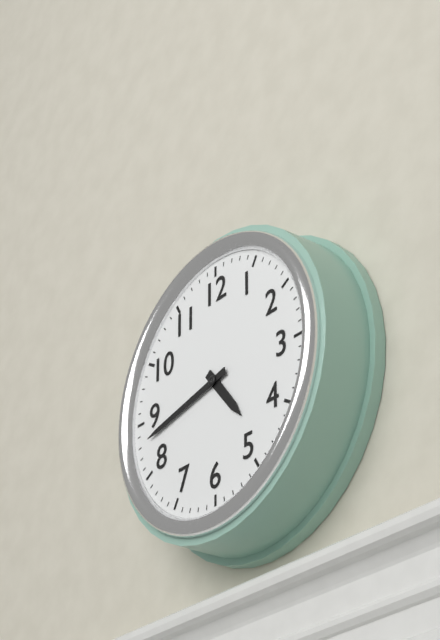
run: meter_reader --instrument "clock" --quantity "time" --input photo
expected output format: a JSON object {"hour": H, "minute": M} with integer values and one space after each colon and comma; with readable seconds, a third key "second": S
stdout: {"hour": 4, "minute": 43}
